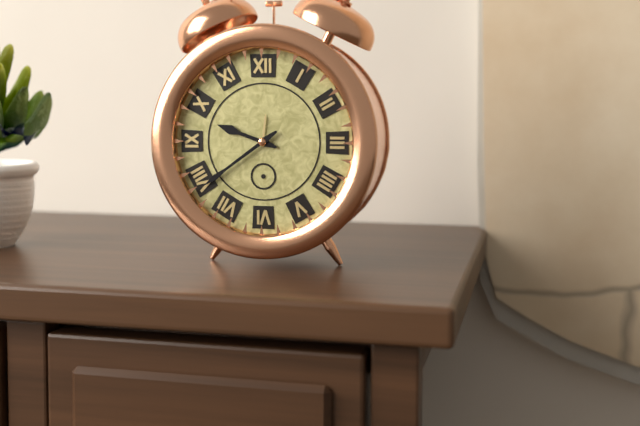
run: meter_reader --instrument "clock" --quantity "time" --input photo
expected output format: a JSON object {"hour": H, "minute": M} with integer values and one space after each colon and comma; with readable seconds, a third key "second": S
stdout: {"hour": 9, "minute": 39}
